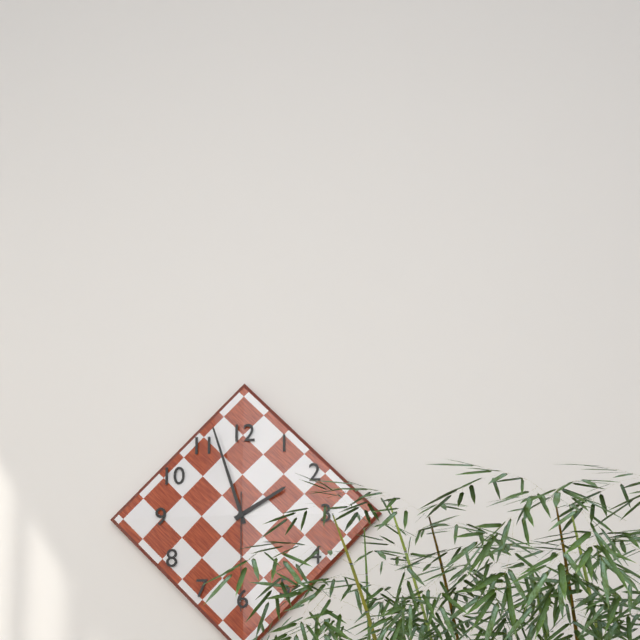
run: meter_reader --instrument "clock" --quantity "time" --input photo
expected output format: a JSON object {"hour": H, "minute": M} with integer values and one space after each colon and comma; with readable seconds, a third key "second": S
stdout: {"hour": 1, "minute": 57, "second": 30}
